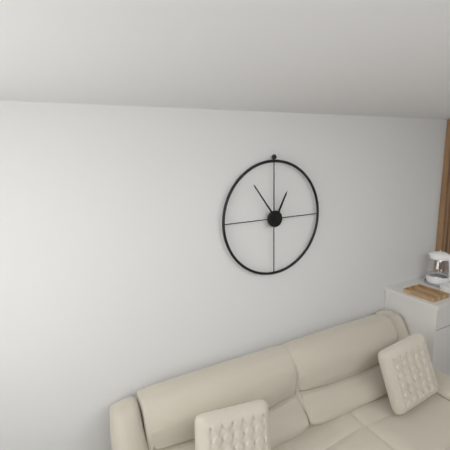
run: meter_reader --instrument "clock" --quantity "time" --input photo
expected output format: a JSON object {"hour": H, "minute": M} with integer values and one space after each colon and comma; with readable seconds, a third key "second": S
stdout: {"hour": 12, "minute": 54}
